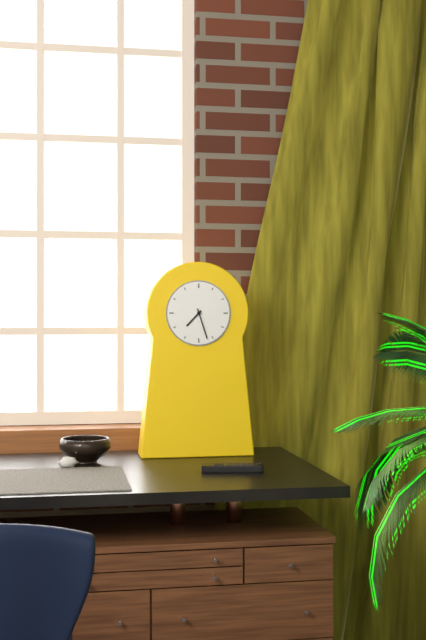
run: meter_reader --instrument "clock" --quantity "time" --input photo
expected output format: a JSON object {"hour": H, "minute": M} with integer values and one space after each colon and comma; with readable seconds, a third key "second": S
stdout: {"hour": 7, "minute": 27}
